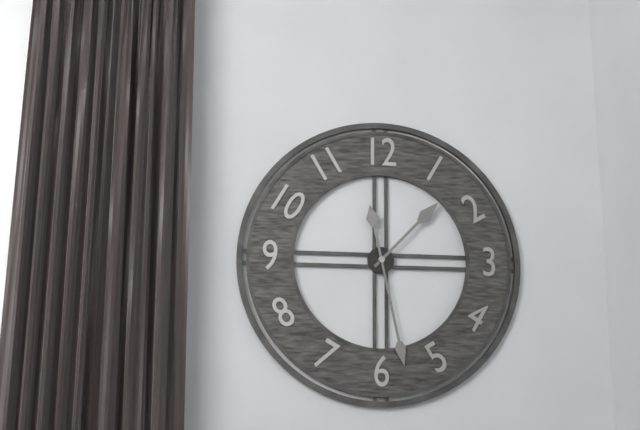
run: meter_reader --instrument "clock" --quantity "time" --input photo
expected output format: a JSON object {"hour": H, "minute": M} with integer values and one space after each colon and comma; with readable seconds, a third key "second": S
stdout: {"hour": 1, "minute": 28}
